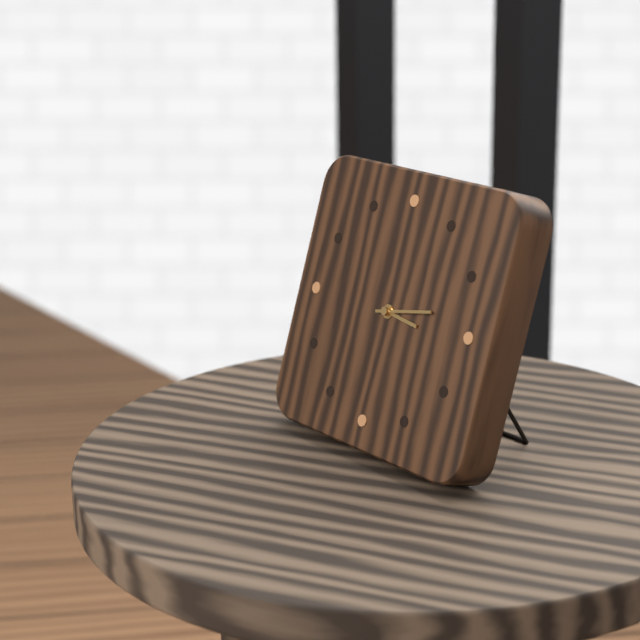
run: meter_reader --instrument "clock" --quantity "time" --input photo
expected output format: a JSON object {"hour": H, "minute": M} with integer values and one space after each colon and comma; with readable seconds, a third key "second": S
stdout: {"hour": 3, "minute": 13}
